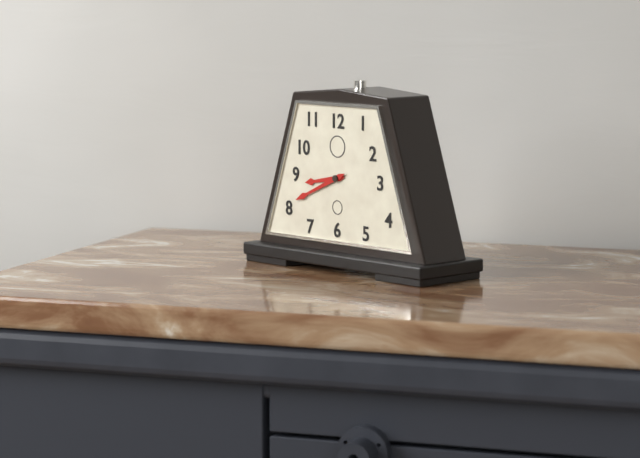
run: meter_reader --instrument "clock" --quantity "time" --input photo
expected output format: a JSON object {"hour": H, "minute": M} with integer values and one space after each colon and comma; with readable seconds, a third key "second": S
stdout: {"hour": 8, "minute": 41}
